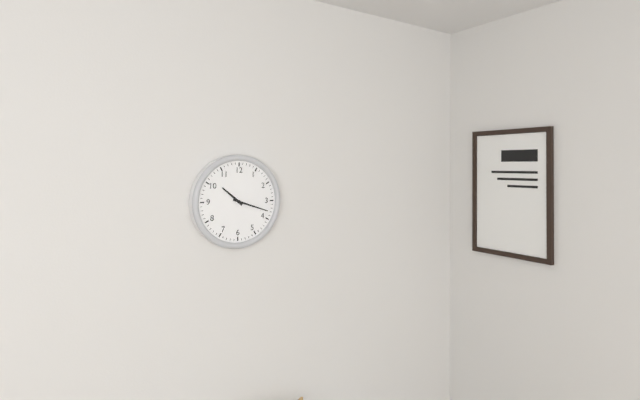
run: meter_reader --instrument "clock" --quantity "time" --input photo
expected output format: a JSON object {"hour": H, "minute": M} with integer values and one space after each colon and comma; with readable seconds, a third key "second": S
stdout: {"hour": 10, "minute": 18}
